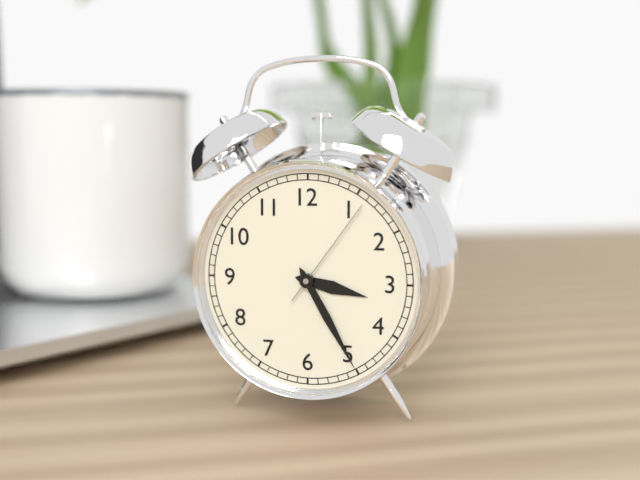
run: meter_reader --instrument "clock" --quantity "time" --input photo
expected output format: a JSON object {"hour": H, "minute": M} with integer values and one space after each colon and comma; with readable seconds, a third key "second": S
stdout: {"hour": 3, "minute": 25, "second": 6}
